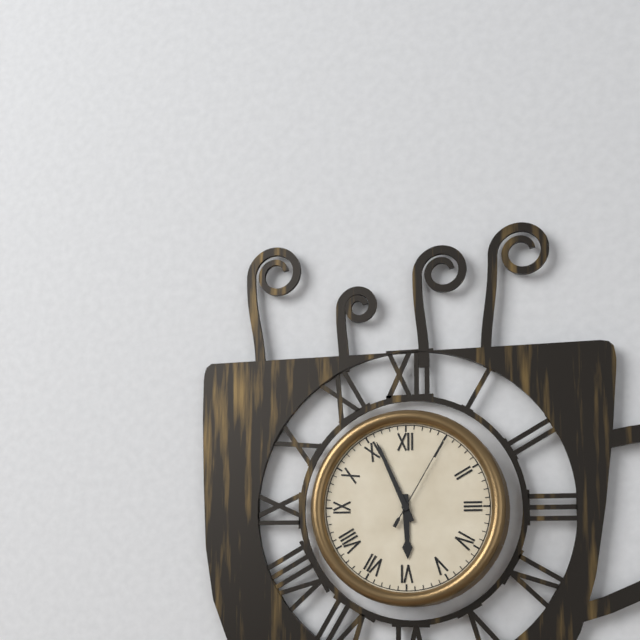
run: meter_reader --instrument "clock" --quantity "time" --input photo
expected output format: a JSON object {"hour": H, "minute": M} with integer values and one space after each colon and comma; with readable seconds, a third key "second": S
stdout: {"hour": 5, "minute": 56, "second": 5}
